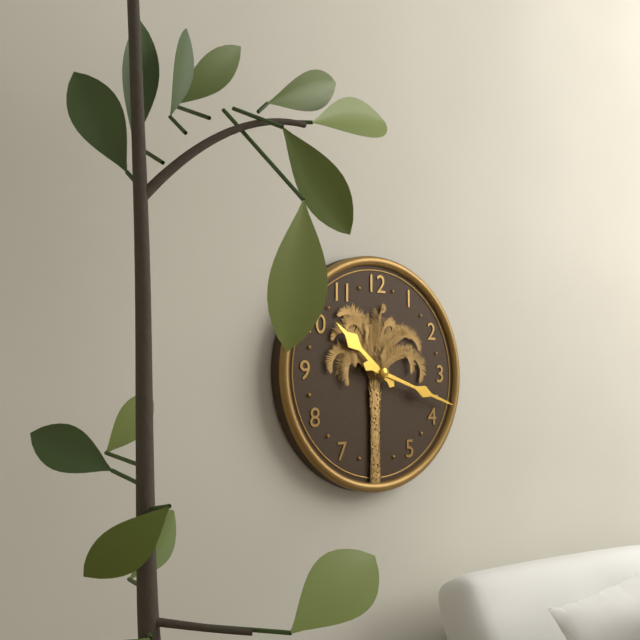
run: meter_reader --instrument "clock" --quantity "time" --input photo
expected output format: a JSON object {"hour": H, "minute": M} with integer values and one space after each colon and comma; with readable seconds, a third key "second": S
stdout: {"hour": 10, "minute": 18}
